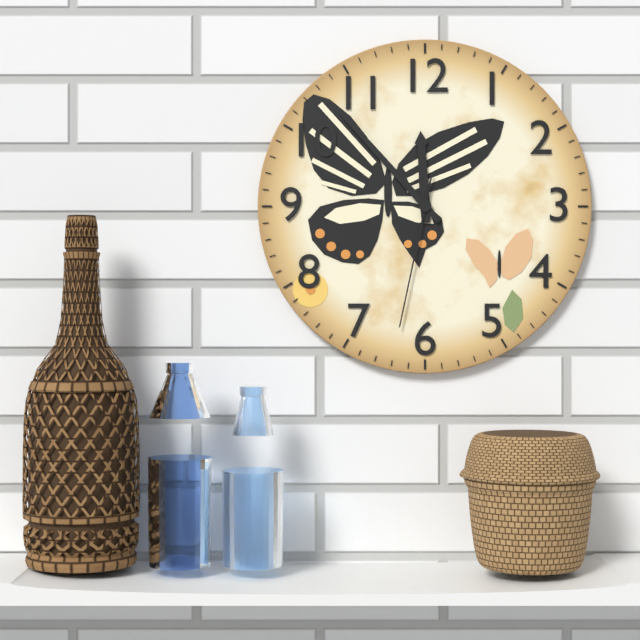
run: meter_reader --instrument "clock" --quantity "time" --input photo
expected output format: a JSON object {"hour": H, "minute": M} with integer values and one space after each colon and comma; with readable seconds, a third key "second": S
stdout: {"hour": 11, "minute": 53, "second": 32}
